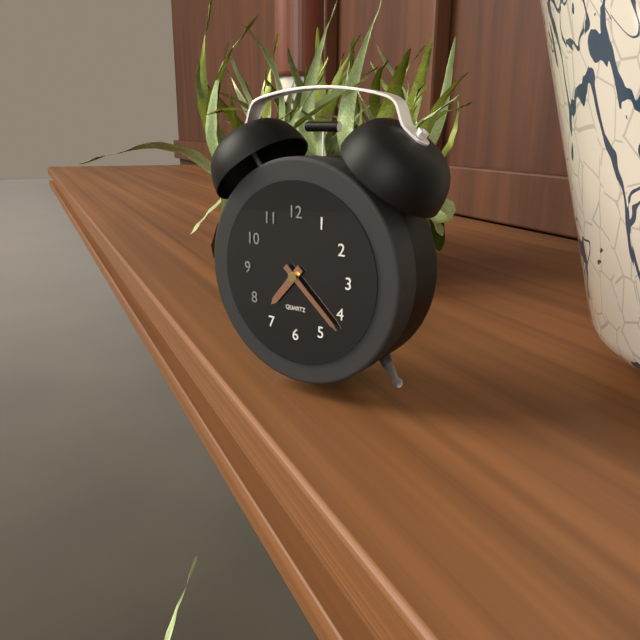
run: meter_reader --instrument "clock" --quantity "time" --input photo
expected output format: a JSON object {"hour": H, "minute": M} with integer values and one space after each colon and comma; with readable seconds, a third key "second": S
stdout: {"hour": 7, "minute": 22}
